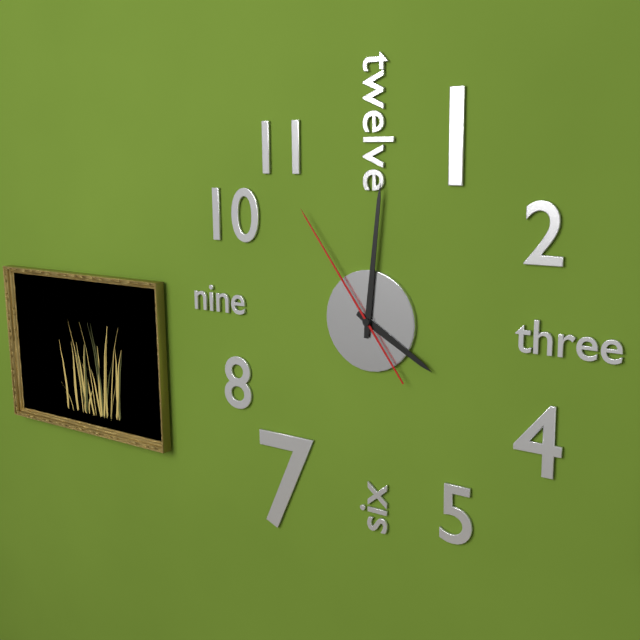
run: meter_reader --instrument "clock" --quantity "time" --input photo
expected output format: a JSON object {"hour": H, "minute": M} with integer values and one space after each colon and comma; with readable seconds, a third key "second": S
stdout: {"hour": 4, "minute": 1, "second": 54}
